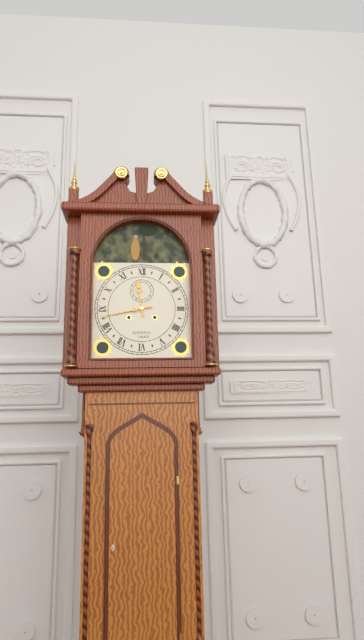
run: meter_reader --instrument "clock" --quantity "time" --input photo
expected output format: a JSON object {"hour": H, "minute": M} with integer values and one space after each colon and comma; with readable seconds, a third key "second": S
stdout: {"hour": 11, "minute": 43}
